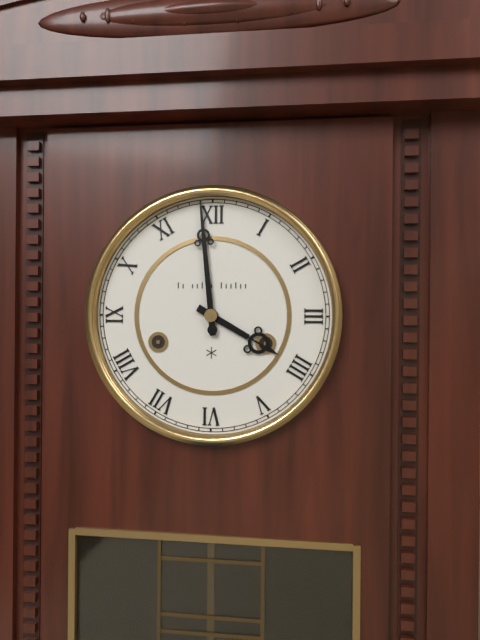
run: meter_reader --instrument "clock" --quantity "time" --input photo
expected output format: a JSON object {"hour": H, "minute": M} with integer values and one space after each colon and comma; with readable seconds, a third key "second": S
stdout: {"hour": 3, "minute": 59}
